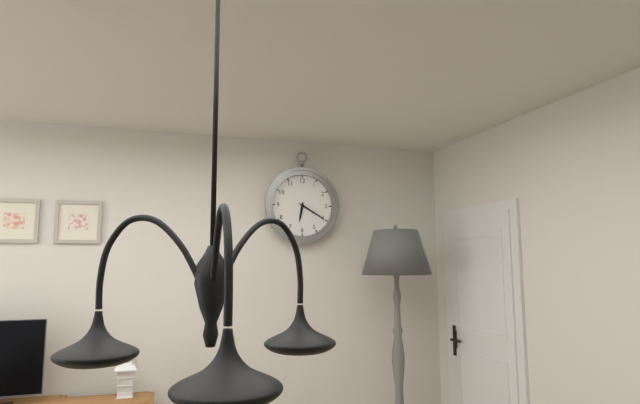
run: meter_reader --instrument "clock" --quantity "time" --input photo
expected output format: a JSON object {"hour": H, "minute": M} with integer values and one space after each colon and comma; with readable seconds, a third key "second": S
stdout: {"hour": 6, "minute": 20}
